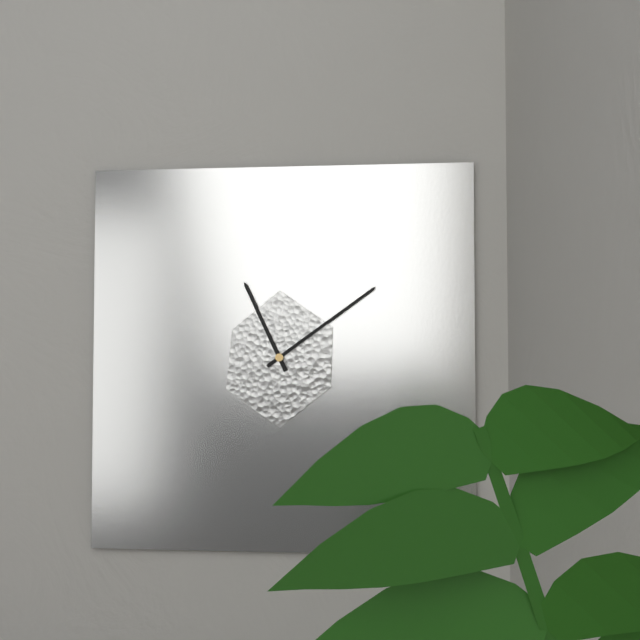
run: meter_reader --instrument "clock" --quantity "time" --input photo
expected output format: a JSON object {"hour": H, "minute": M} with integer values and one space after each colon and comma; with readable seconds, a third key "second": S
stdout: {"hour": 11, "minute": 9}
